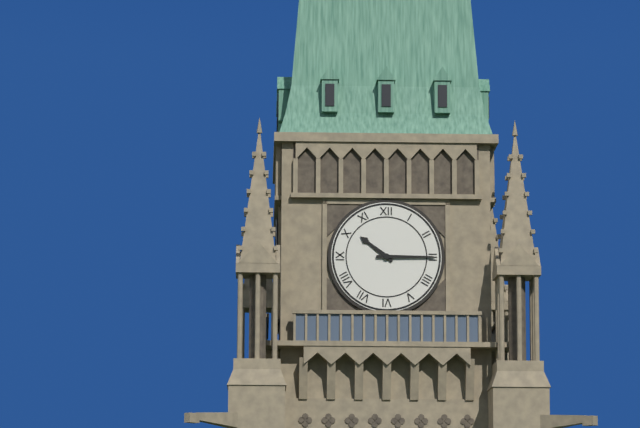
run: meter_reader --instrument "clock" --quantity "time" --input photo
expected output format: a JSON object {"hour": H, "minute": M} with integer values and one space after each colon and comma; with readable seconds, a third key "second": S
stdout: {"hour": 10, "minute": 15}
